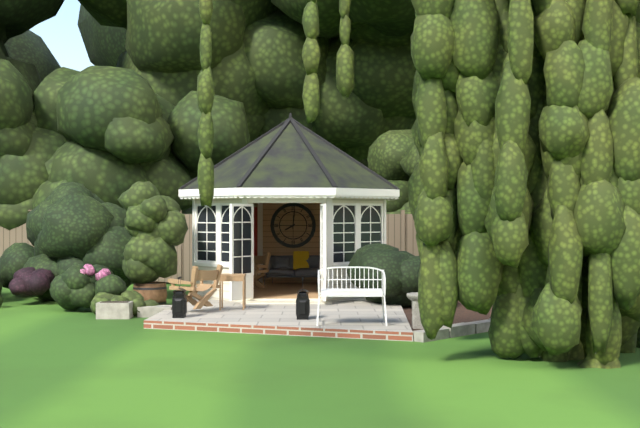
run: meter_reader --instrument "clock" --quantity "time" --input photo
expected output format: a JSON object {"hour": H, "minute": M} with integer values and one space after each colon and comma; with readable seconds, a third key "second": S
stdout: {"hour": 8, "minute": 1}
